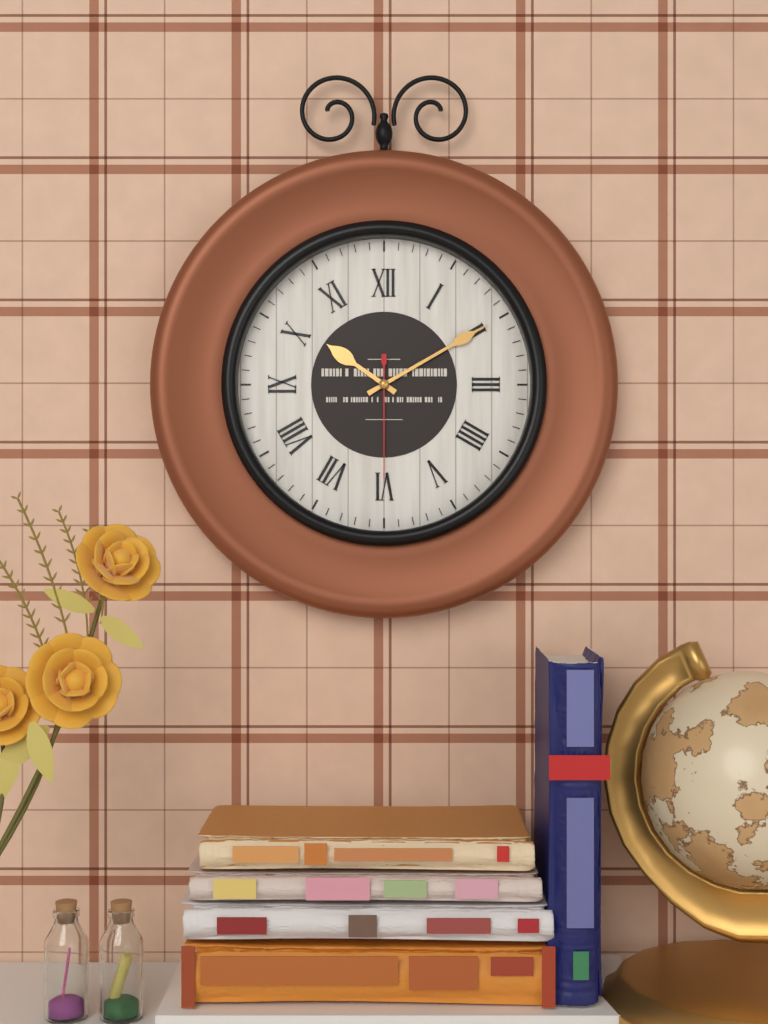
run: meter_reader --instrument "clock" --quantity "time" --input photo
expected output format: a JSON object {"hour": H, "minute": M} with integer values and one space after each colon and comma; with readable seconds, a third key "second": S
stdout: {"hour": 10, "minute": 10, "second": 30}
